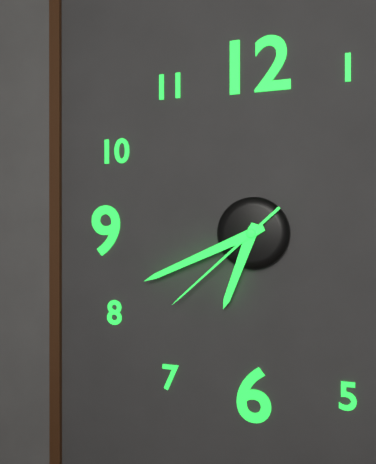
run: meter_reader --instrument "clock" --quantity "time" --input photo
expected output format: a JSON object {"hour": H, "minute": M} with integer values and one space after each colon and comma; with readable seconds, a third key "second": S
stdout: {"hour": 6, "minute": 41, "second": 38}
